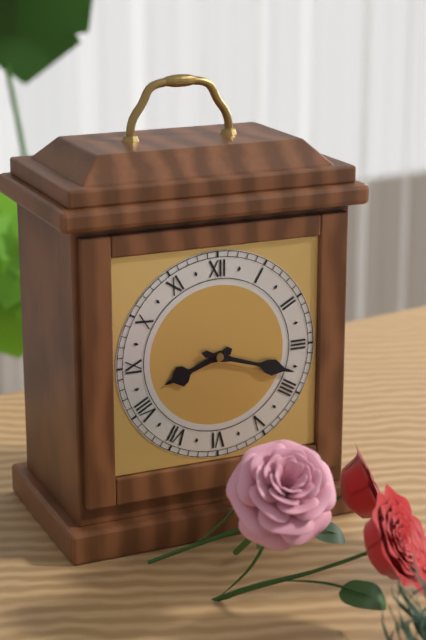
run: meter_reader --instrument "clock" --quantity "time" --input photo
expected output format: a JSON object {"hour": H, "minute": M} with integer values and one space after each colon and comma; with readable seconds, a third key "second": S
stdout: {"hour": 8, "minute": 18}
